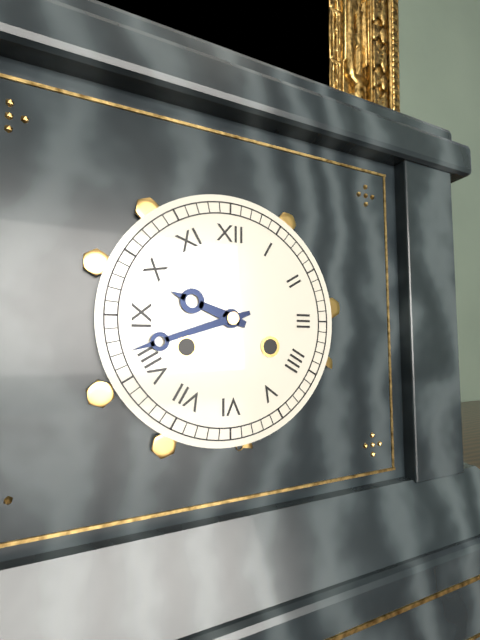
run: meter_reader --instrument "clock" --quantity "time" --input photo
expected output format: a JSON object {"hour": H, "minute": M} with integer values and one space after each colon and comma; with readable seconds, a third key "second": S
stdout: {"hour": 9, "minute": 42}
